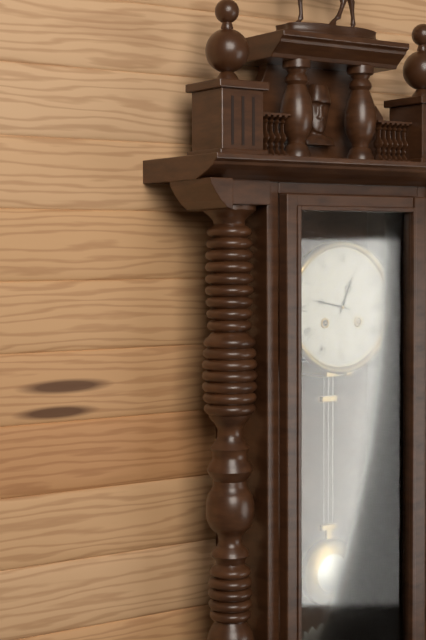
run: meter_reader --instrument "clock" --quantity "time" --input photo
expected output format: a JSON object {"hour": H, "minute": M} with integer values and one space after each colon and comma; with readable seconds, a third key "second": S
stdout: {"hour": 12, "minute": 47}
